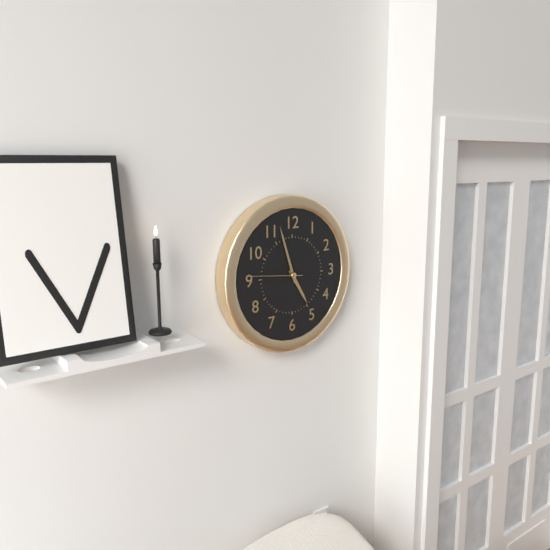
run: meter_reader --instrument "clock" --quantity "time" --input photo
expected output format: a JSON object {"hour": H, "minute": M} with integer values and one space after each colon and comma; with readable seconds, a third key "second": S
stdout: {"hour": 4, "minute": 57, "second": 46}
